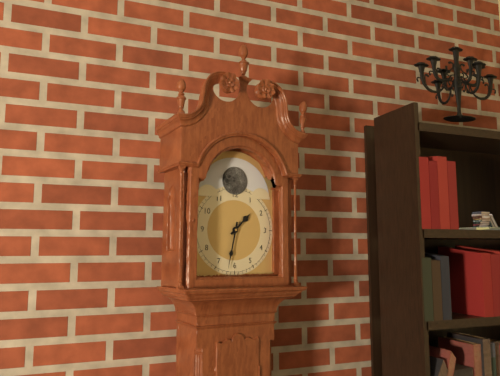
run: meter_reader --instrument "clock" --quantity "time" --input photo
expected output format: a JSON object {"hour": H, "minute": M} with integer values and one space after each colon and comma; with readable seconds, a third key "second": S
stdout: {"hour": 1, "minute": 32}
